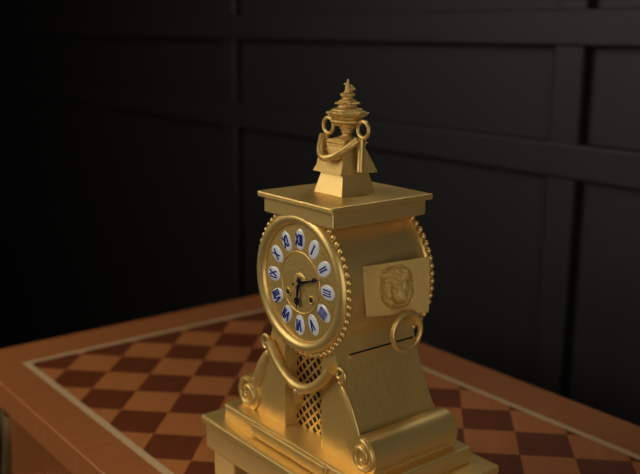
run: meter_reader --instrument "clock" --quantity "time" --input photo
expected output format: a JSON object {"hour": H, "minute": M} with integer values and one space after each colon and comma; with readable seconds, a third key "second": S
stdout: {"hour": 6, "minute": 12}
